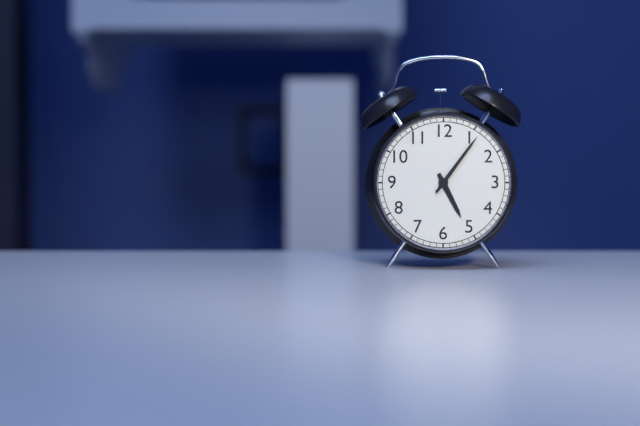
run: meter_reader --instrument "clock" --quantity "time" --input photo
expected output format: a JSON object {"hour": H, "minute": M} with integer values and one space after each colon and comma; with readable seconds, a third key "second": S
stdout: {"hour": 5, "minute": 6}
